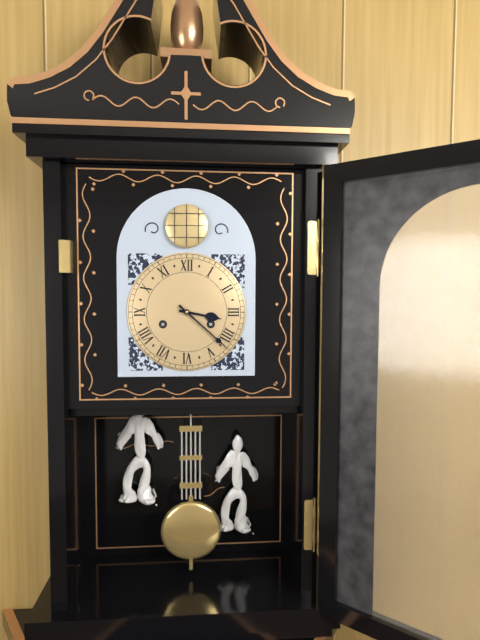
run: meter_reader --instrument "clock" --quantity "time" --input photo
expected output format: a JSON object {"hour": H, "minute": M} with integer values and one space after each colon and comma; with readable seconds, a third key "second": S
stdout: {"hour": 3, "minute": 22}
